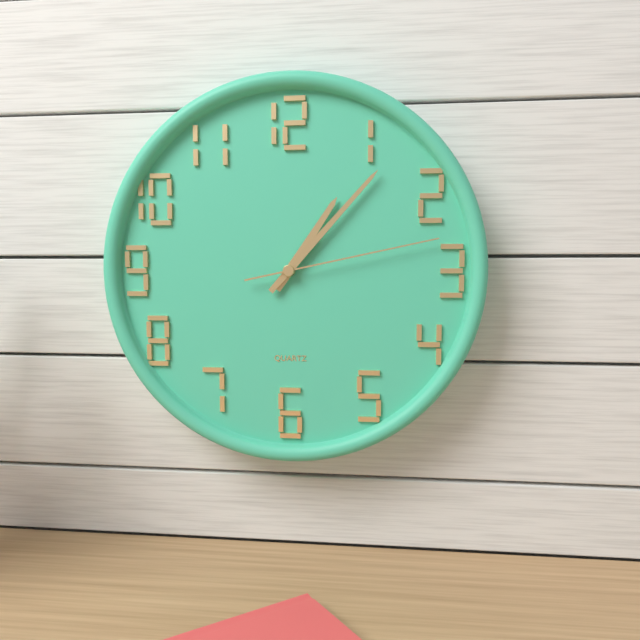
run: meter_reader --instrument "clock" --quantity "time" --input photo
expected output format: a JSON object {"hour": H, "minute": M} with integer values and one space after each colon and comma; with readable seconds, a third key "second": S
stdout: {"hour": 1, "minute": 7, "second": 13}
